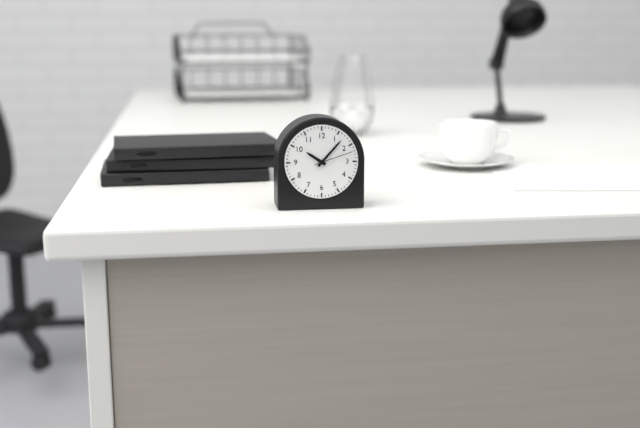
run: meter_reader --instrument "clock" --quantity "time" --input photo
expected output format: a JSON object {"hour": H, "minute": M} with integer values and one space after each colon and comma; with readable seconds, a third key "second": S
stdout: {"hour": 10, "minute": 7}
